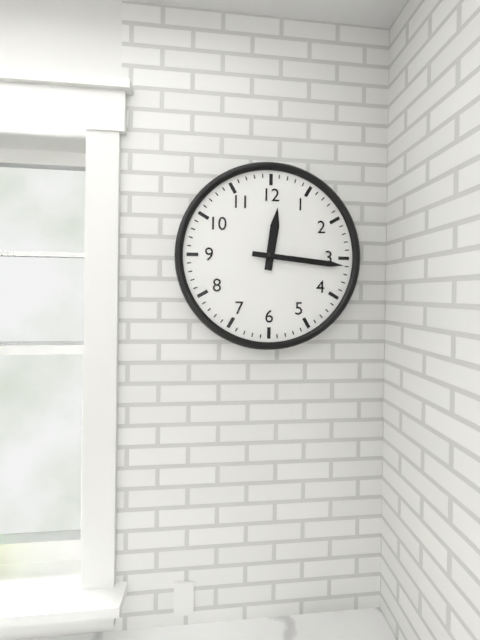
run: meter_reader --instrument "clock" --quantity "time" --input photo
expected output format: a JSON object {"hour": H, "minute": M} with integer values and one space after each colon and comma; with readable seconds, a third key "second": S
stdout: {"hour": 12, "minute": 16}
